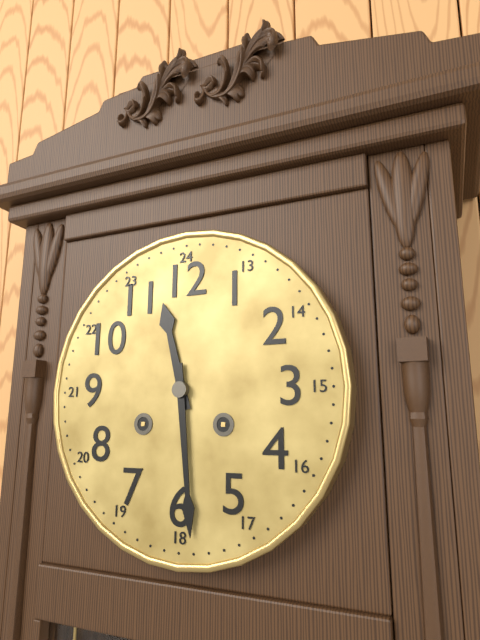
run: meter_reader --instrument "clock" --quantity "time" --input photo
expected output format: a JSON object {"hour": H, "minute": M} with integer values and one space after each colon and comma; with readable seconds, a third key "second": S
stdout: {"hour": 11, "minute": 29}
